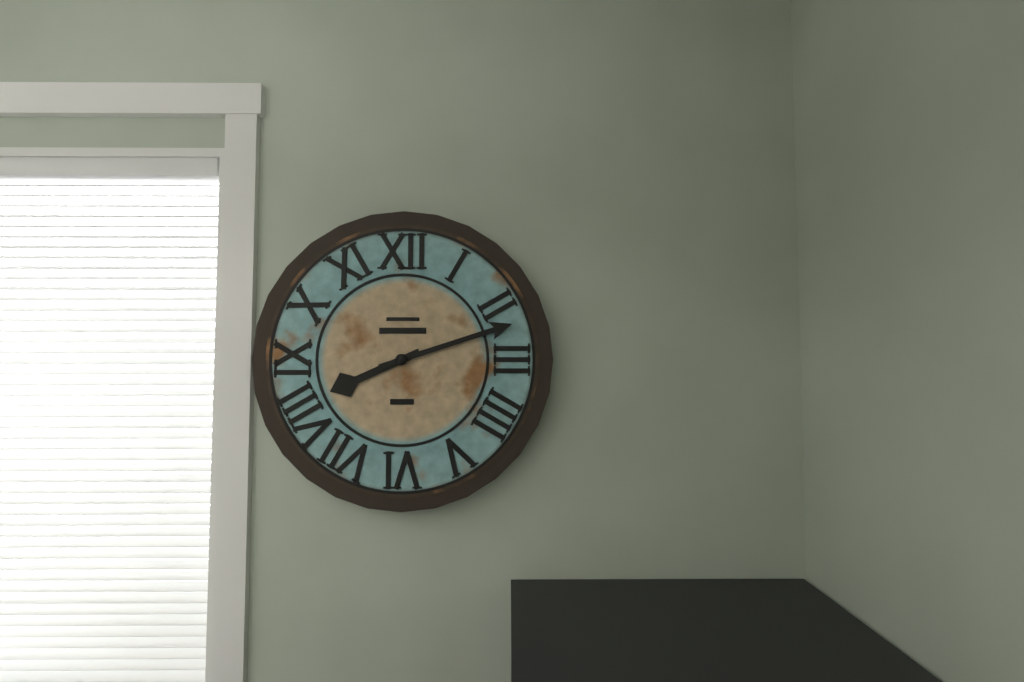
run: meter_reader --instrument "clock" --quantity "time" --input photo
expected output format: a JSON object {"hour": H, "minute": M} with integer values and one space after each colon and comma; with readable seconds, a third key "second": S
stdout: {"hour": 8, "minute": 12}
